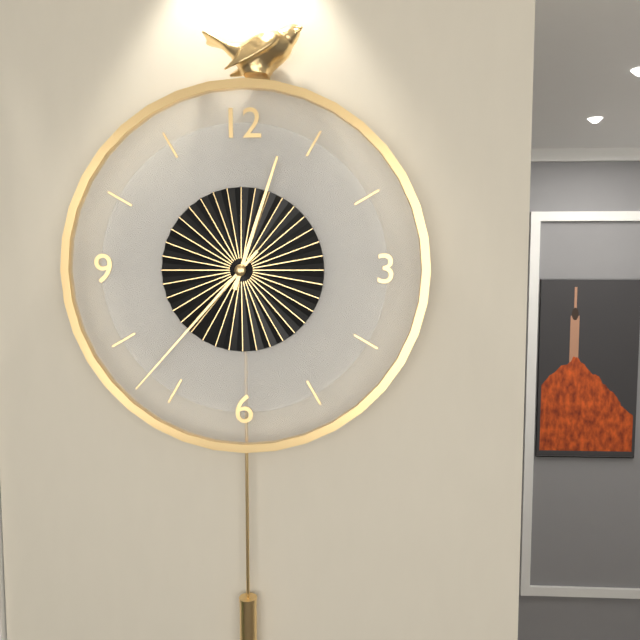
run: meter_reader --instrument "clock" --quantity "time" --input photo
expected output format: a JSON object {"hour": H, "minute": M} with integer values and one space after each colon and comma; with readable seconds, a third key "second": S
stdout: {"hour": 12, "minute": 37}
